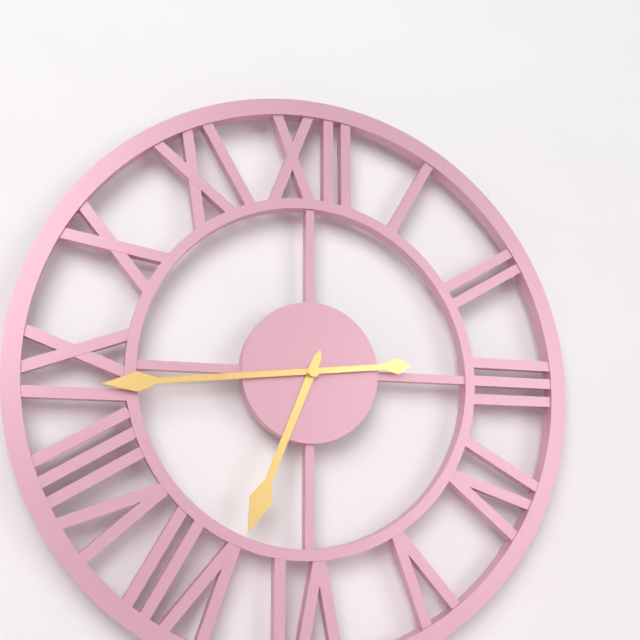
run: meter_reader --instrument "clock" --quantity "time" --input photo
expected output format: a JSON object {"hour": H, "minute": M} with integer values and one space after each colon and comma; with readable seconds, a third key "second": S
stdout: {"hour": 6, "minute": 44}
